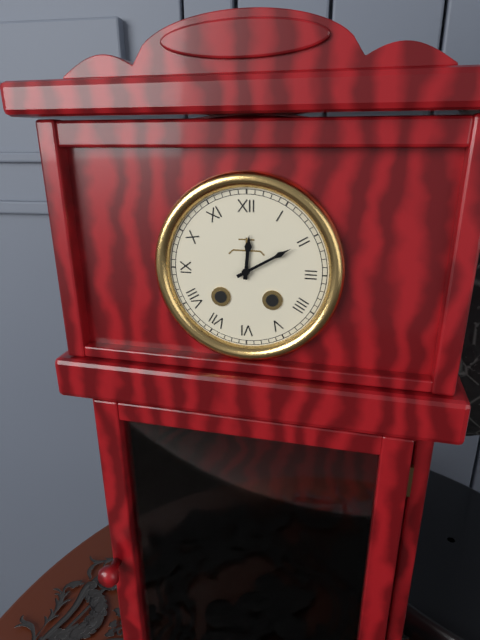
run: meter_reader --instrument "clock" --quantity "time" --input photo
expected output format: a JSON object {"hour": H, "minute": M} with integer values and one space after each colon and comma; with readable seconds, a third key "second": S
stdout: {"hour": 12, "minute": 10}
